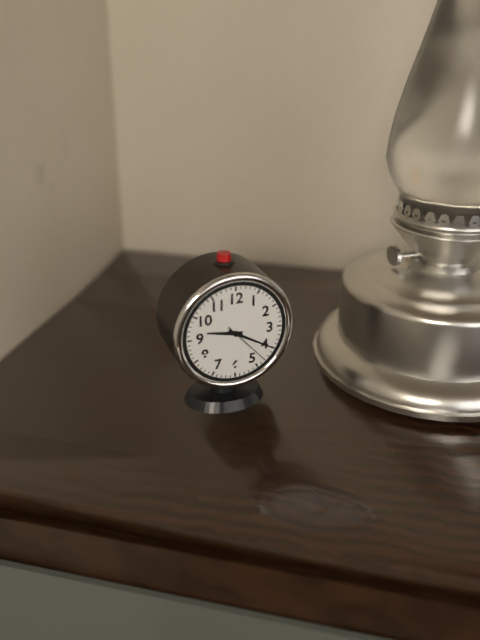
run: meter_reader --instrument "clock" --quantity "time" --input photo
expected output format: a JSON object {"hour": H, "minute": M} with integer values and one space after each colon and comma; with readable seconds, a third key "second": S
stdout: {"hour": 9, "minute": 20, "second": 23}
